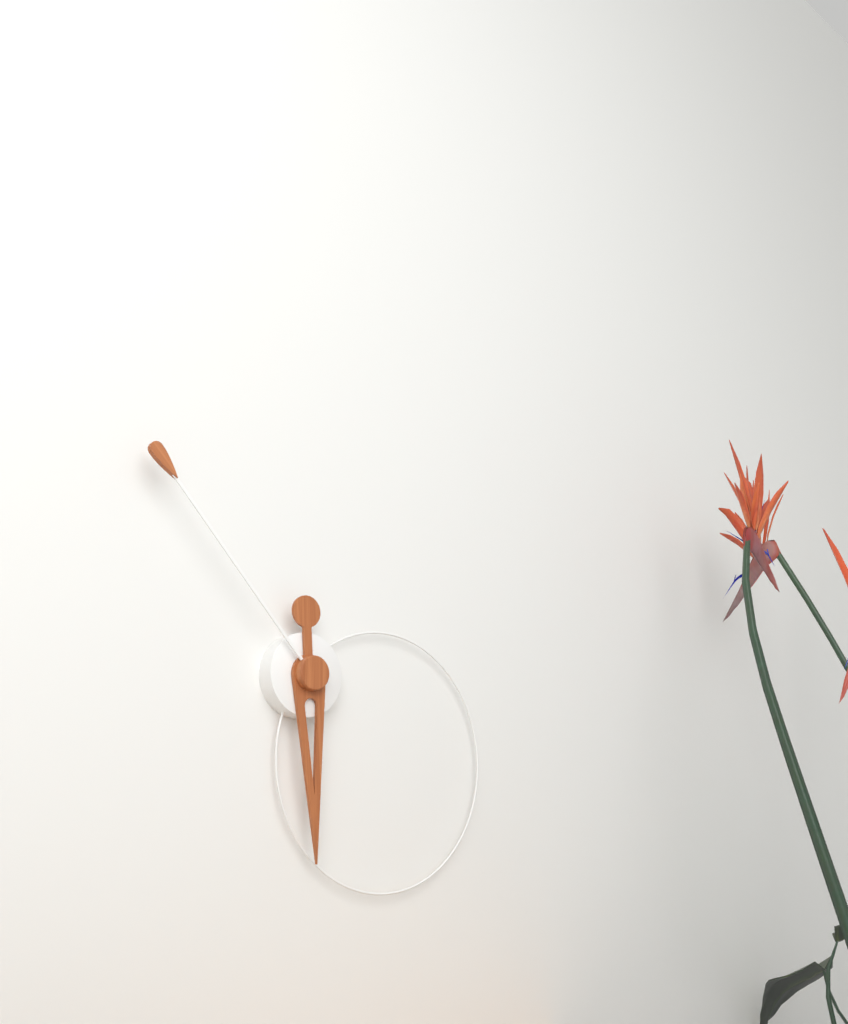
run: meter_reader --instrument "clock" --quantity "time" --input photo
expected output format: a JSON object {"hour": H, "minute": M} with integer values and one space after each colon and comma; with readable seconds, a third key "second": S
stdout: {"hour": 5, "minute": 53}
